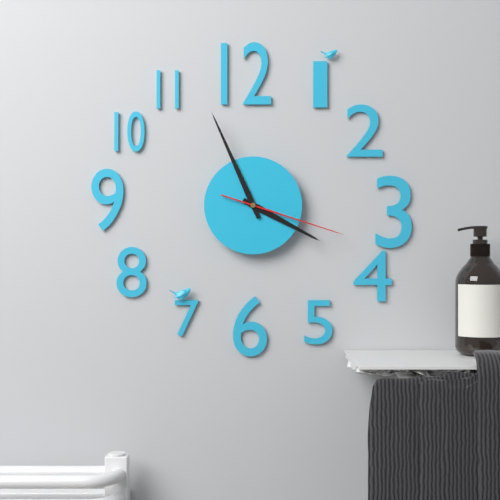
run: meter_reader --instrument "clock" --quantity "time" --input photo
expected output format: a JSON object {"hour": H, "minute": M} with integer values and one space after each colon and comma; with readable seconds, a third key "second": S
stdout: {"hour": 3, "minute": 56, "second": 18}
